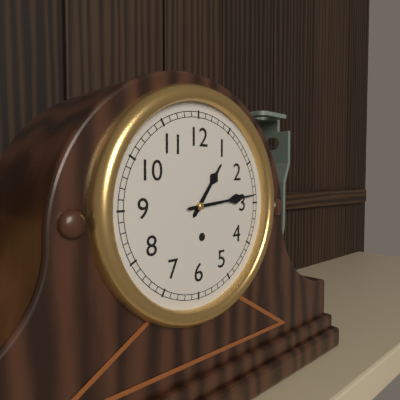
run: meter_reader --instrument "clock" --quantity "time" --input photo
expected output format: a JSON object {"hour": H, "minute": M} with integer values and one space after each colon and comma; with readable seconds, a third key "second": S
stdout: {"hour": 1, "minute": 14}
